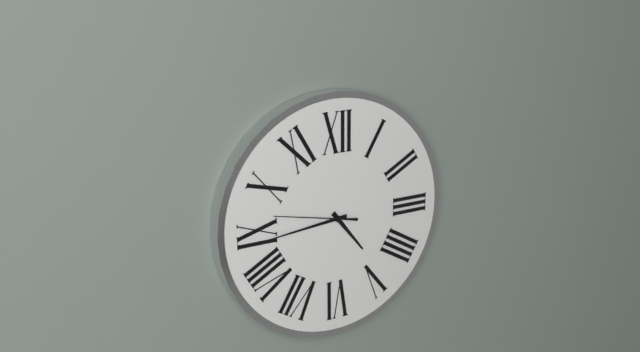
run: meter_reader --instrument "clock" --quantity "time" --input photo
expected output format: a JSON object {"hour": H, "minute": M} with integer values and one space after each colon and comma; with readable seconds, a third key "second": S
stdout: {"hour": 4, "minute": 44, "second": 47}
